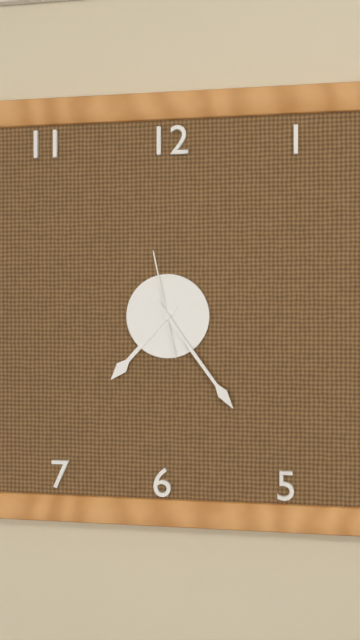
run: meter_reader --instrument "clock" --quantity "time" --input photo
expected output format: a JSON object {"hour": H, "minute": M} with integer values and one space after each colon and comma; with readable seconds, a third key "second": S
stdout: {"hour": 7, "minute": 24, "second": 58}
